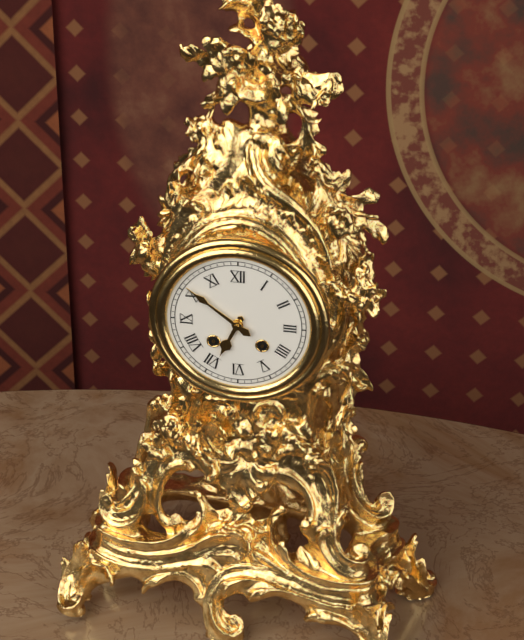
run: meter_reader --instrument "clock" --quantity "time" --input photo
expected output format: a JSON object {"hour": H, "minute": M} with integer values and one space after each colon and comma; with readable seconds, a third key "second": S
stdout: {"hour": 6, "minute": 51}
